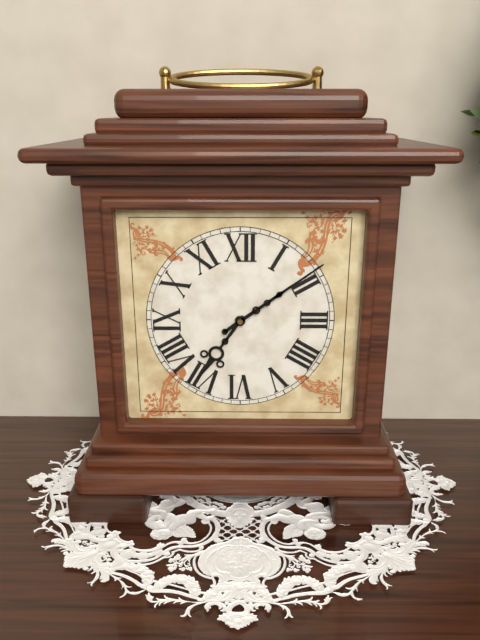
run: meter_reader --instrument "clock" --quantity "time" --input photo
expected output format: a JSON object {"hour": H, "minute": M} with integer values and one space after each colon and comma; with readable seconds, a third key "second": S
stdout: {"hour": 7, "minute": 9}
